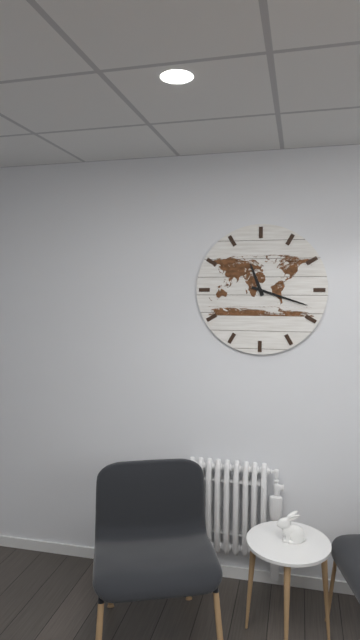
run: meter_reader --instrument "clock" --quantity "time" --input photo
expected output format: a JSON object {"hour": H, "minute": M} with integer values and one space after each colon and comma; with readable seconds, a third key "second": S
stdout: {"hour": 11, "minute": 18}
